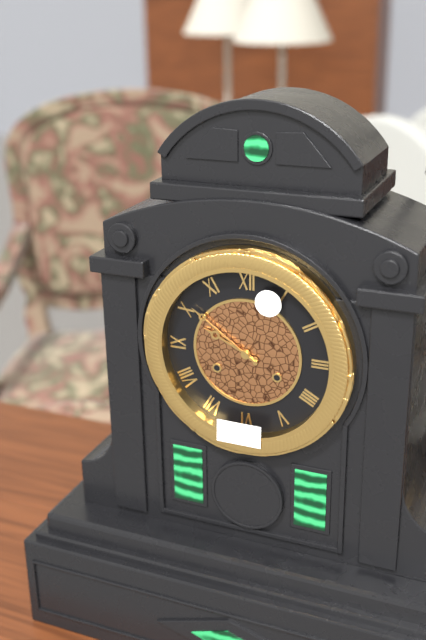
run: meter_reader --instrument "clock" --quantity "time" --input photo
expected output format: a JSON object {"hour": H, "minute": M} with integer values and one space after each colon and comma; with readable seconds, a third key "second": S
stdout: {"hour": 9, "minute": 51}
